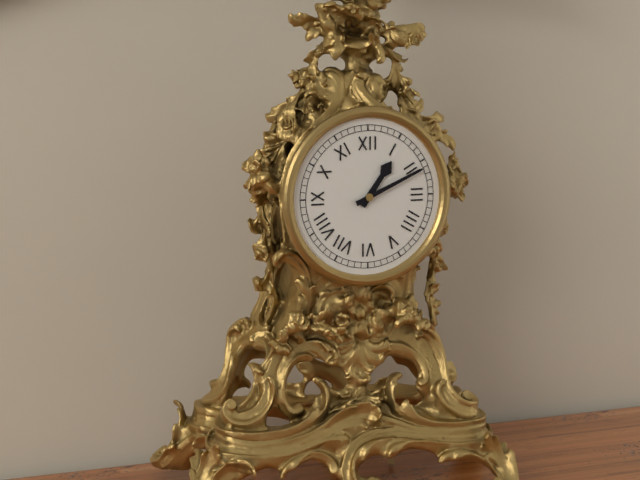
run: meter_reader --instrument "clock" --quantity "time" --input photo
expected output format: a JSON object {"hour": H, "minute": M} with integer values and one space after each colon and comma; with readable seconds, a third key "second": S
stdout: {"hour": 1, "minute": 11}
